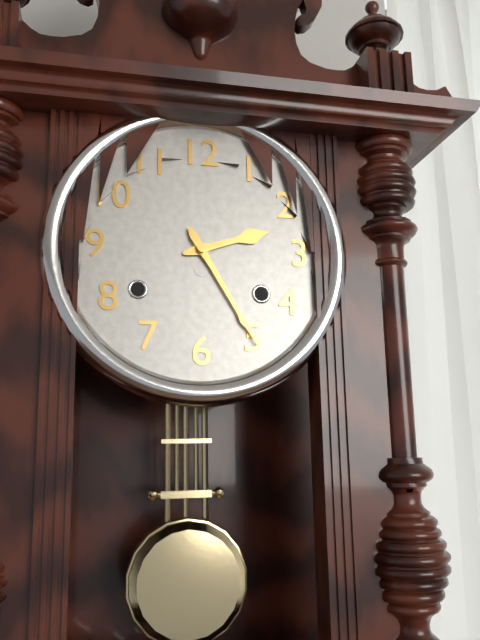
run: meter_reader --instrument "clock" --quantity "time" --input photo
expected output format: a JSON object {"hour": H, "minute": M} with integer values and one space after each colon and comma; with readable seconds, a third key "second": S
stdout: {"hour": 2, "minute": 25}
